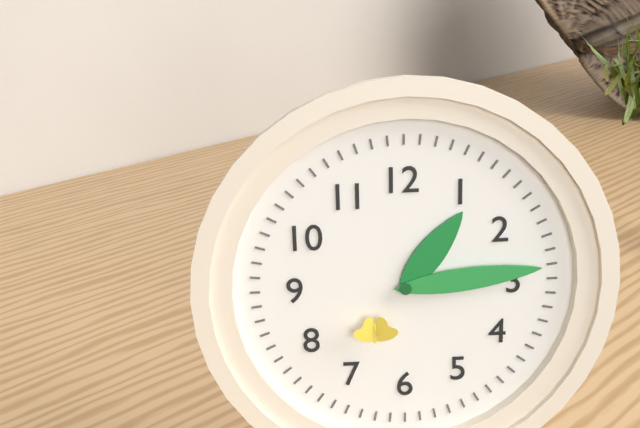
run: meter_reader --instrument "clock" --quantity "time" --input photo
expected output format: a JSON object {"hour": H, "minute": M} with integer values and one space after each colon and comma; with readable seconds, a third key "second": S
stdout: {"hour": 1, "minute": 14}
